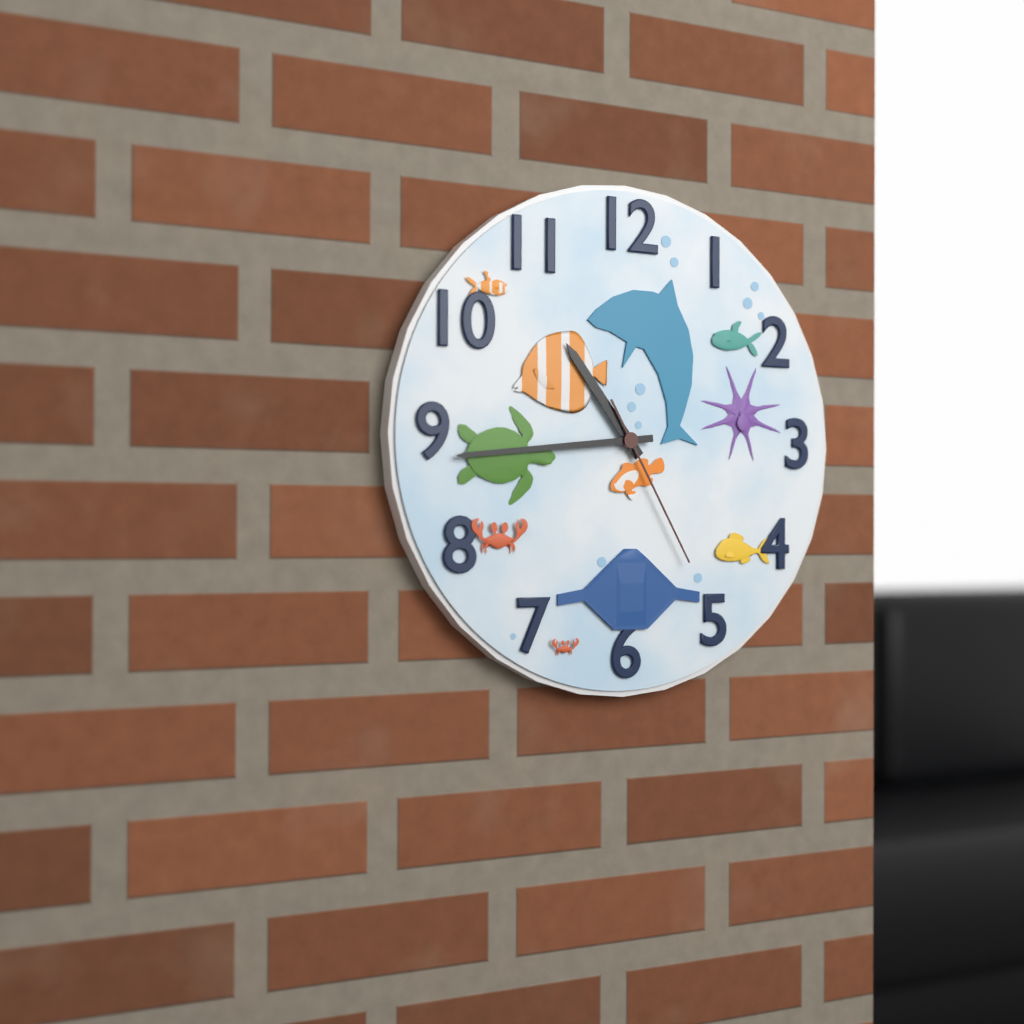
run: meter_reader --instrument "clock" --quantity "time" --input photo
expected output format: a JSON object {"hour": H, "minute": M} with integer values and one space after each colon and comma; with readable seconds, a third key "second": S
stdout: {"hour": 10, "minute": 44, "second": 25}
